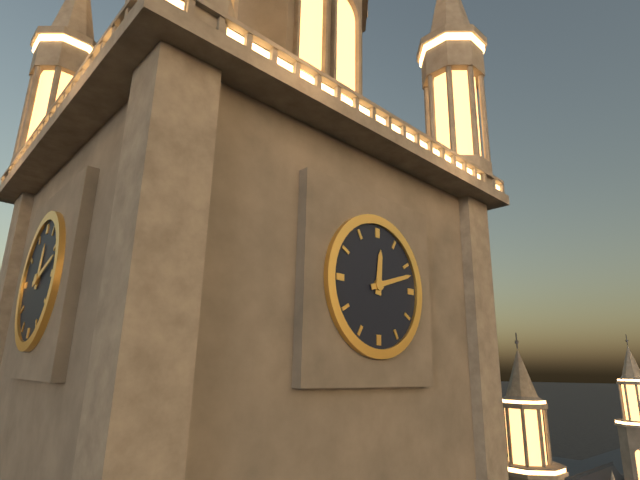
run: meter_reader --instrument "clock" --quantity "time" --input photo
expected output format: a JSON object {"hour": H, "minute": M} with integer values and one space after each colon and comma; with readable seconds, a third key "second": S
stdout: {"hour": 12, "minute": 12}
